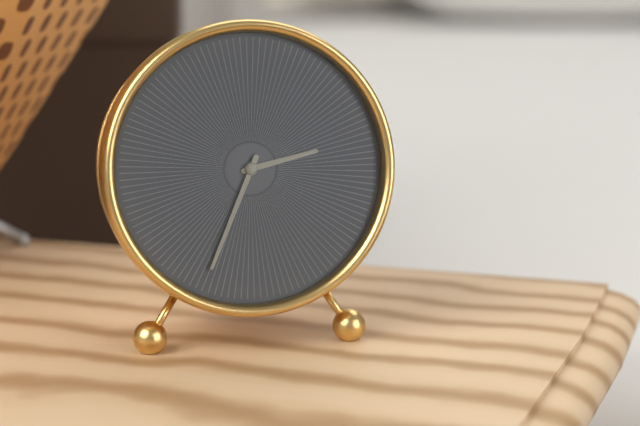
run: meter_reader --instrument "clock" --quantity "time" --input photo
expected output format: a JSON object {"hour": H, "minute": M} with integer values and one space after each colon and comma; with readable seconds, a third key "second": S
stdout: {"hour": 2, "minute": 34}
